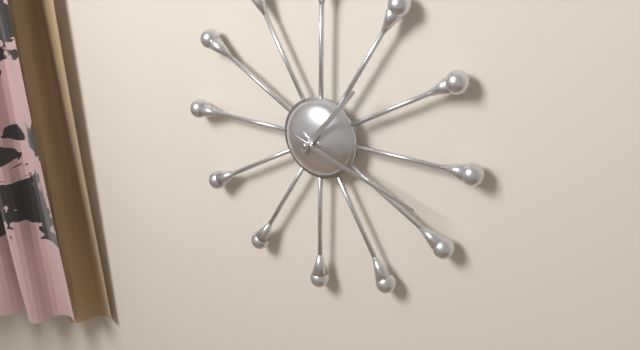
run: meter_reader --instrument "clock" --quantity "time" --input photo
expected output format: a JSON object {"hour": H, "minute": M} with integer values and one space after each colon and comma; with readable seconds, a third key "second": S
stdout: {"hour": 1, "minute": 18}
